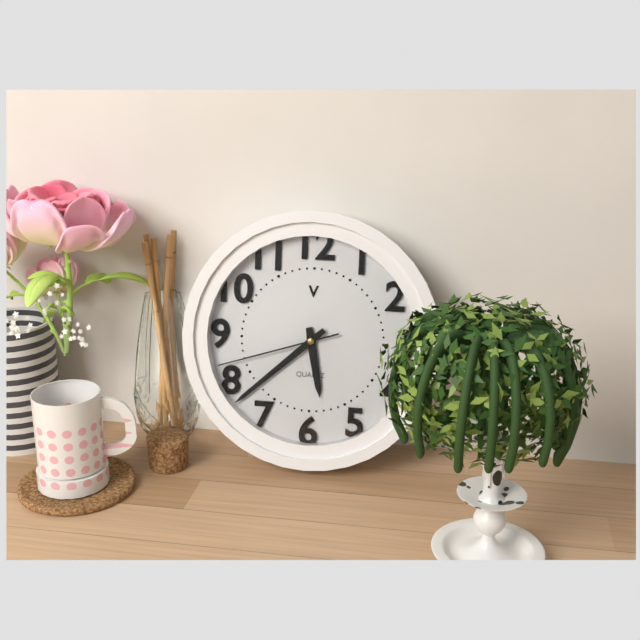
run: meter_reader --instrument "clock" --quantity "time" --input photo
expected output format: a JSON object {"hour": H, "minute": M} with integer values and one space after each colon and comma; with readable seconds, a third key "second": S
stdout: {"hour": 5, "minute": 38, "second": 42}
